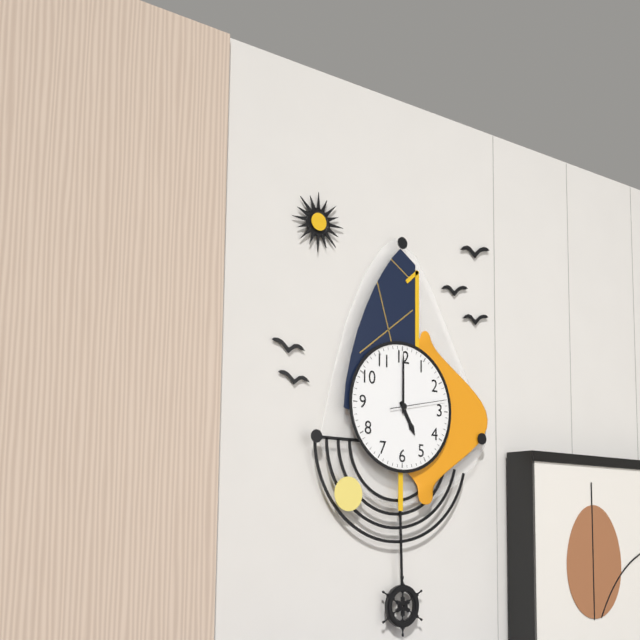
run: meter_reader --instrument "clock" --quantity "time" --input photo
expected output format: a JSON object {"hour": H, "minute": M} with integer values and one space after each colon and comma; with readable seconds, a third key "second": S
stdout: {"hour": 5, "minute": 0, "second": 13}
